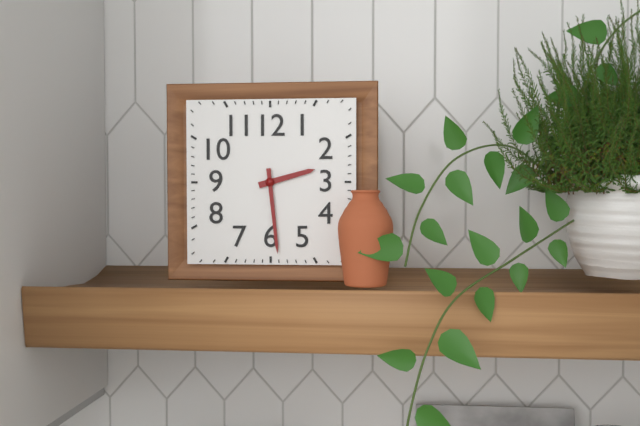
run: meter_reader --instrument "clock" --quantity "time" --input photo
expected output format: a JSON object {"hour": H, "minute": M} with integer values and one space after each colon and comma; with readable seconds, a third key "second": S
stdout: {"hour": 2, "minute": 29}
